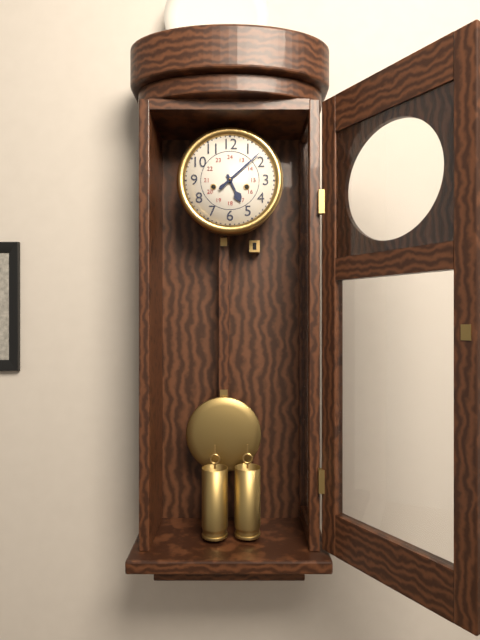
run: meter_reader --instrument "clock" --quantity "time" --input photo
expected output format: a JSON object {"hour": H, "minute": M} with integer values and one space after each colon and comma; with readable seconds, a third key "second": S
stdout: {"hour": 5, "minute": 8}
